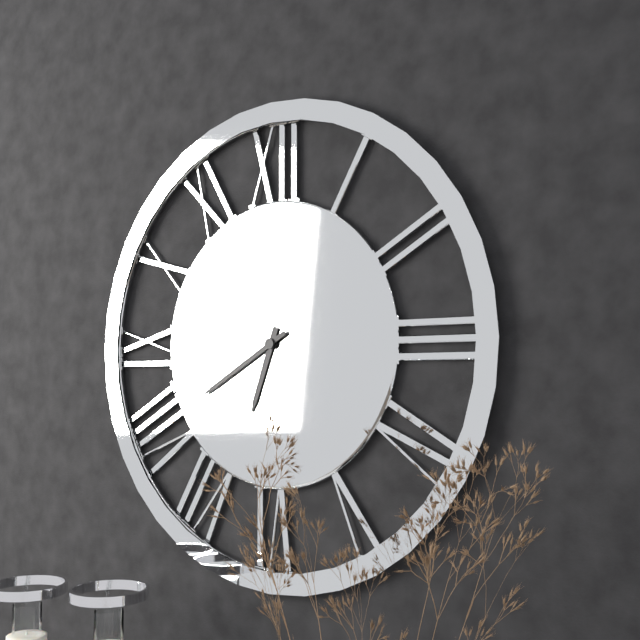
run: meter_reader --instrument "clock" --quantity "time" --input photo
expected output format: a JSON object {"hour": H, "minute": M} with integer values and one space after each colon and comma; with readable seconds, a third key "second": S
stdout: {"hour": 6, "minute": 40}
